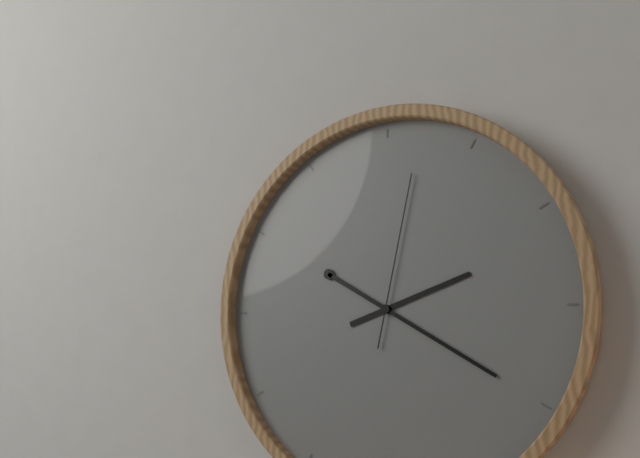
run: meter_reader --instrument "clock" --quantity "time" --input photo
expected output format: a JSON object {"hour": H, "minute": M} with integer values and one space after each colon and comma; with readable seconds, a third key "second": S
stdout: {"hour": 2, "minute": 20, "second": 2}
